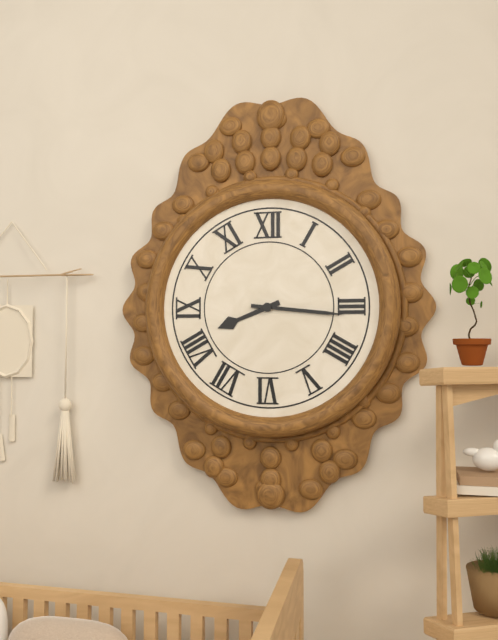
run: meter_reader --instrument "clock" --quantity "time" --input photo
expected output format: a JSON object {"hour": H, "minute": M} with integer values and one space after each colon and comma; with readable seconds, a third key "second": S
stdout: {"hour": 8, "minute": 16}
